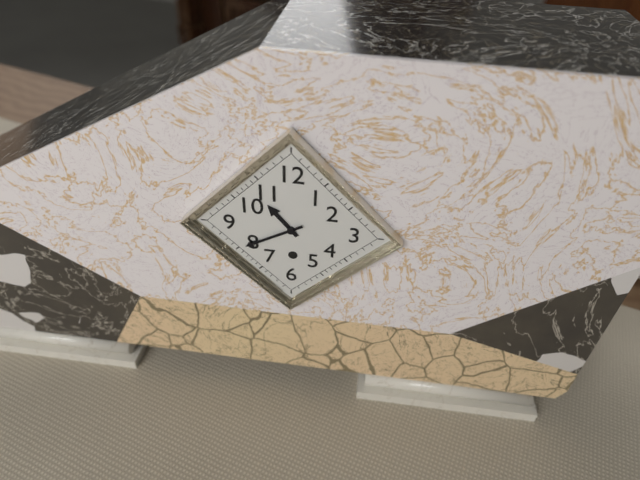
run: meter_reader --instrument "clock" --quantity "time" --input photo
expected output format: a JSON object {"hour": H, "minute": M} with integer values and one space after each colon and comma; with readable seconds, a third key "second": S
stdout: {"hour": 10, "minute": 40}
